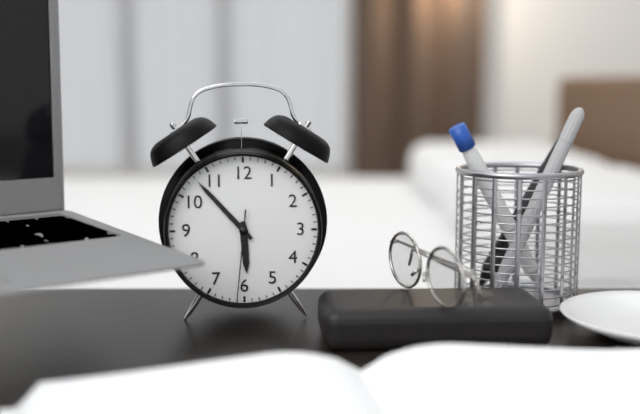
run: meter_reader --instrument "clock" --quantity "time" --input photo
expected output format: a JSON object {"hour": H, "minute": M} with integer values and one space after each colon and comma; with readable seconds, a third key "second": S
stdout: {"hour": 5, "minute": 53, "second": 31}
